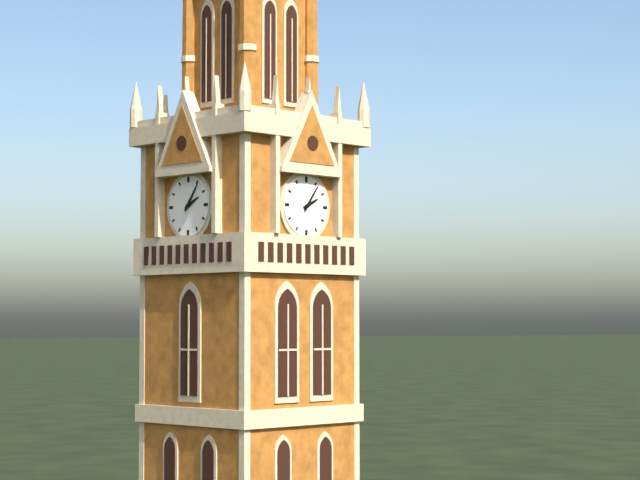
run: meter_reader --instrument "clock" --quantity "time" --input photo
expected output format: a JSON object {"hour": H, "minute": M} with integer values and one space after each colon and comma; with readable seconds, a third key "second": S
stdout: {"hour": 2, "minute": 6}
